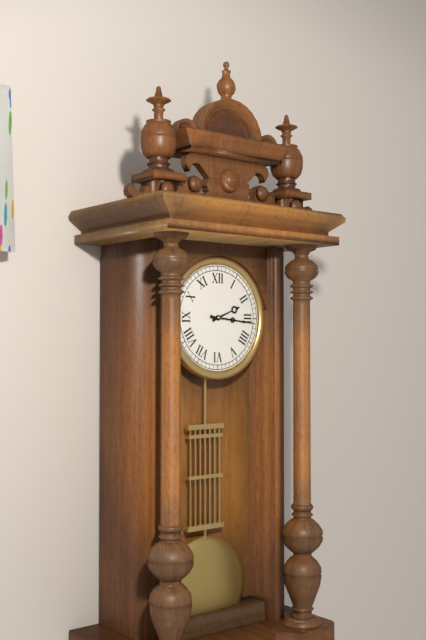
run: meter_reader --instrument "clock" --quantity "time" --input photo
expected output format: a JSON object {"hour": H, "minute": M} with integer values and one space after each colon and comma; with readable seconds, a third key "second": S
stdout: {"hour": 2, "minute": 16}
